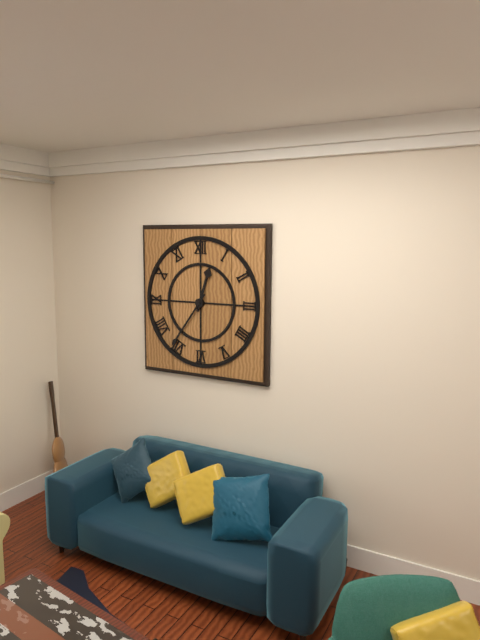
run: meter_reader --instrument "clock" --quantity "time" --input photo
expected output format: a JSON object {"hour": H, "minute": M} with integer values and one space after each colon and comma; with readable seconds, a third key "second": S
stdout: {"hour": 12, "minute": 36}
